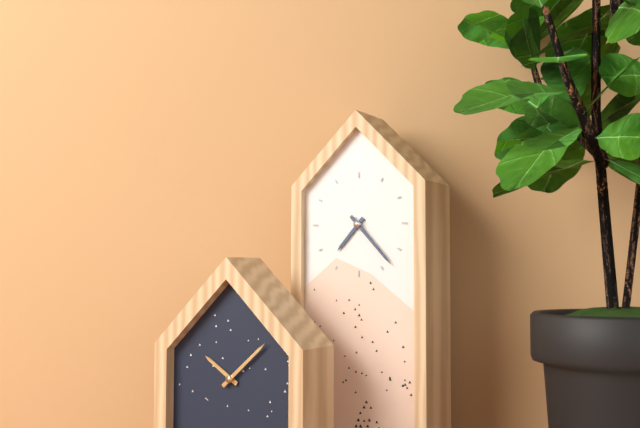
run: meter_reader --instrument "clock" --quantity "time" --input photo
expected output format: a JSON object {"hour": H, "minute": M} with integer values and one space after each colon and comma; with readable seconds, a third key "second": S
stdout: {"hour": 7, "minute": 23}
